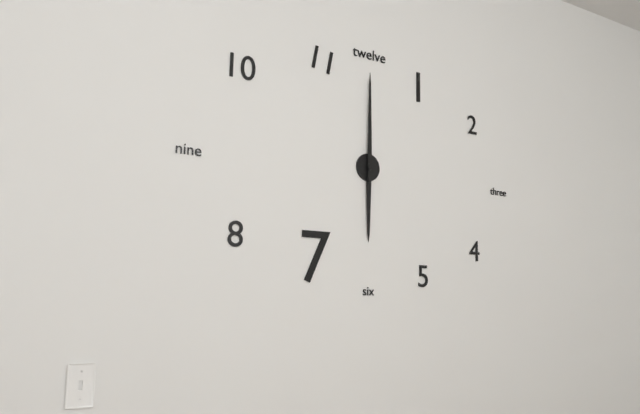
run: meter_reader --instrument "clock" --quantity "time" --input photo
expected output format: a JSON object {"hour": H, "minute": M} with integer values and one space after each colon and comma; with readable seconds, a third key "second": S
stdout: {"hour": 6, "minute": 0}
